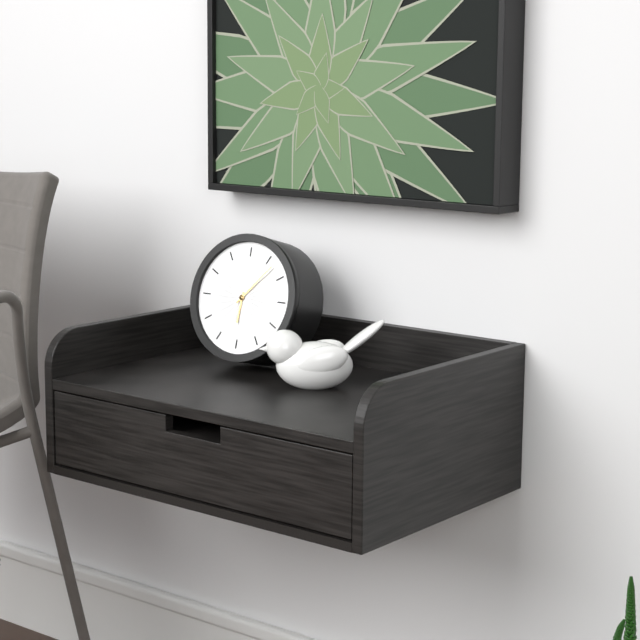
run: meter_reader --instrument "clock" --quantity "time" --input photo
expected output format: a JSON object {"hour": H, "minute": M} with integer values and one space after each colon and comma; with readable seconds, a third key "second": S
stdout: {"hour": 6, "minute": 7}
